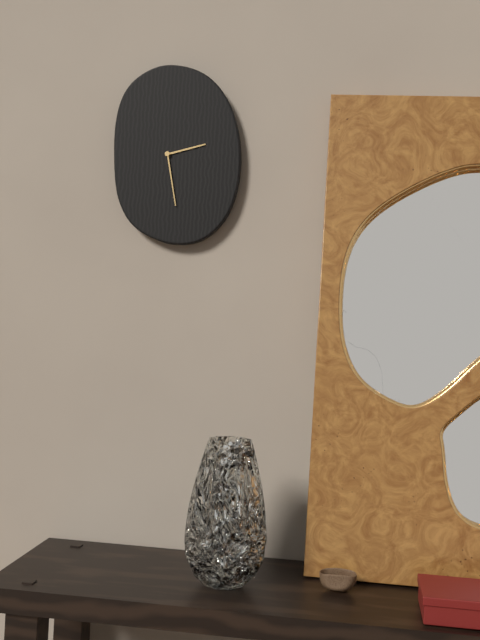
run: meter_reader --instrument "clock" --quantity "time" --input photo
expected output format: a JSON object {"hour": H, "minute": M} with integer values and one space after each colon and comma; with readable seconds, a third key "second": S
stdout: {"hour": 2, "minute": 28}
